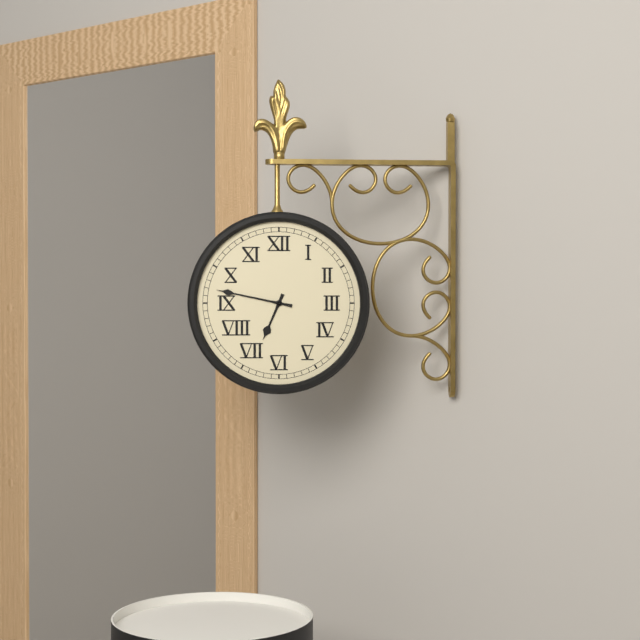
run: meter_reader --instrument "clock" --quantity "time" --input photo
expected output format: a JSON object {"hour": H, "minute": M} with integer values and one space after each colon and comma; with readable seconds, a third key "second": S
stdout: {"hour": 6, "minute": 47}
